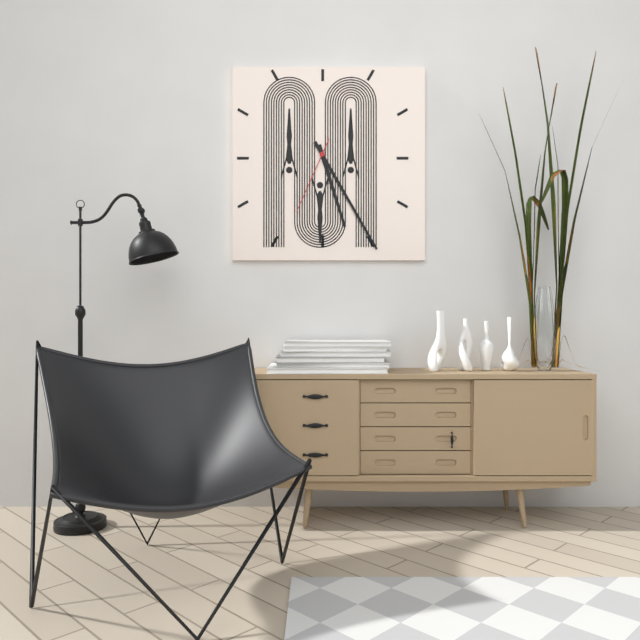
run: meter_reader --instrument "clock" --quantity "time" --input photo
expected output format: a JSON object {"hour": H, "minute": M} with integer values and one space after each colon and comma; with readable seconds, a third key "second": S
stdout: {"hour": 5, "minute": 25, "second": 34}
